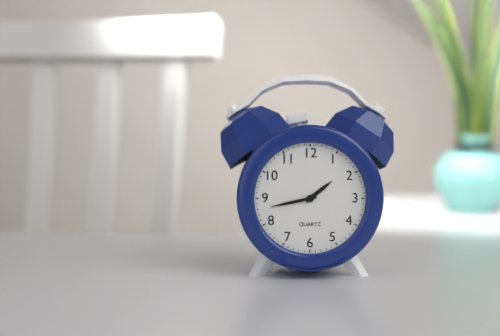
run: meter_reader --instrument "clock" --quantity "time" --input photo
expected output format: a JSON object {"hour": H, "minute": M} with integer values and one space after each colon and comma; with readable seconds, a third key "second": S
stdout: {"hour": 1, "minute": 43}
